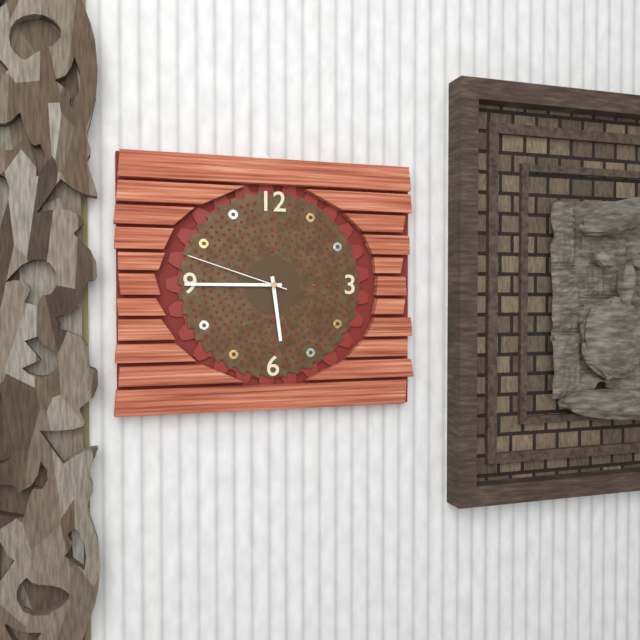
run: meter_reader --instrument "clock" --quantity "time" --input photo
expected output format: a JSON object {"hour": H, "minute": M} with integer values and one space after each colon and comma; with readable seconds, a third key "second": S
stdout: {"hour": 5, "minute": 45, "second": 48}
